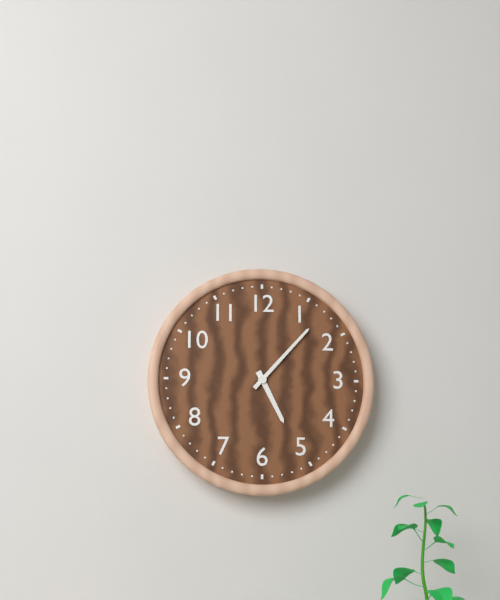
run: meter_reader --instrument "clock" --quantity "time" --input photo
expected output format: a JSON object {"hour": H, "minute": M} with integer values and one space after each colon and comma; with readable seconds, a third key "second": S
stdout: {"hour": 5, "minute": 7}
